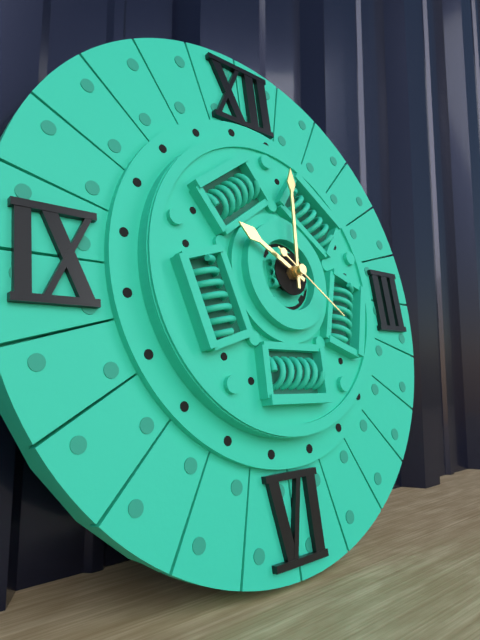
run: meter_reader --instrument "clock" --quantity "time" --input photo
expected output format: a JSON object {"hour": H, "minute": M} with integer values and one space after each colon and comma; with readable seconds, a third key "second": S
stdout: {"hour": 10, "minute": 1, "second": 21}
